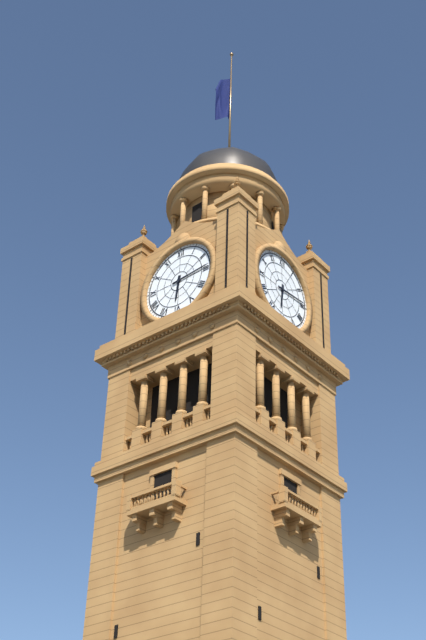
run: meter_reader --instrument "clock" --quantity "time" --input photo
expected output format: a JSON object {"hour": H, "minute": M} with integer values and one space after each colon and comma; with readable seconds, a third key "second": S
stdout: {"hour": 6, "minute": 14}
